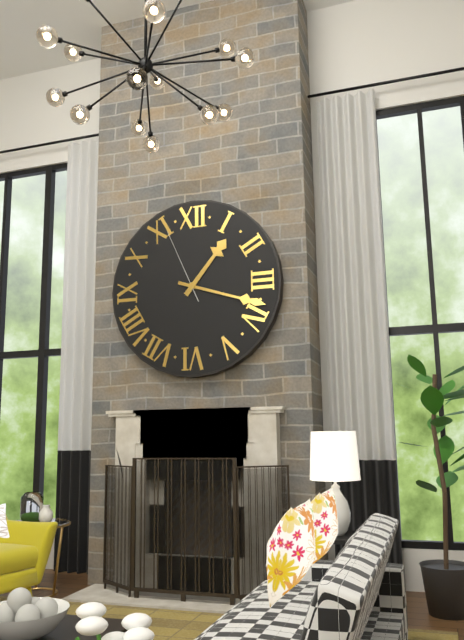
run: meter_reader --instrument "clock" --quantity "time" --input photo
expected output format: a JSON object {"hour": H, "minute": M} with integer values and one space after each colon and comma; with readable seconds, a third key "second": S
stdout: {"hour": 1, "minute": 18, "second": 56}
